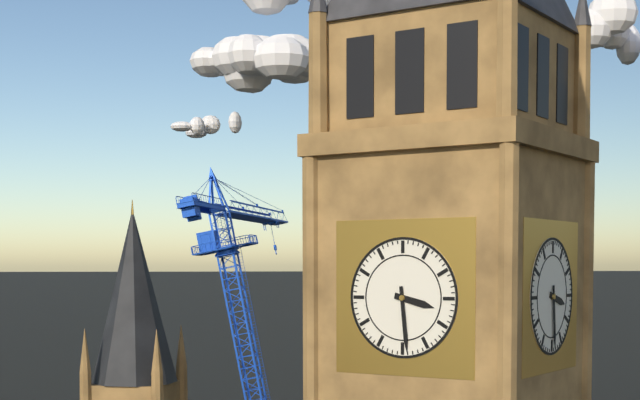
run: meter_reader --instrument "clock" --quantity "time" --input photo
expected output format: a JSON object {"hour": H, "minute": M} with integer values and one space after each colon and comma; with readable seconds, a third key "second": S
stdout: {"hour": 3, "minute": 29}
